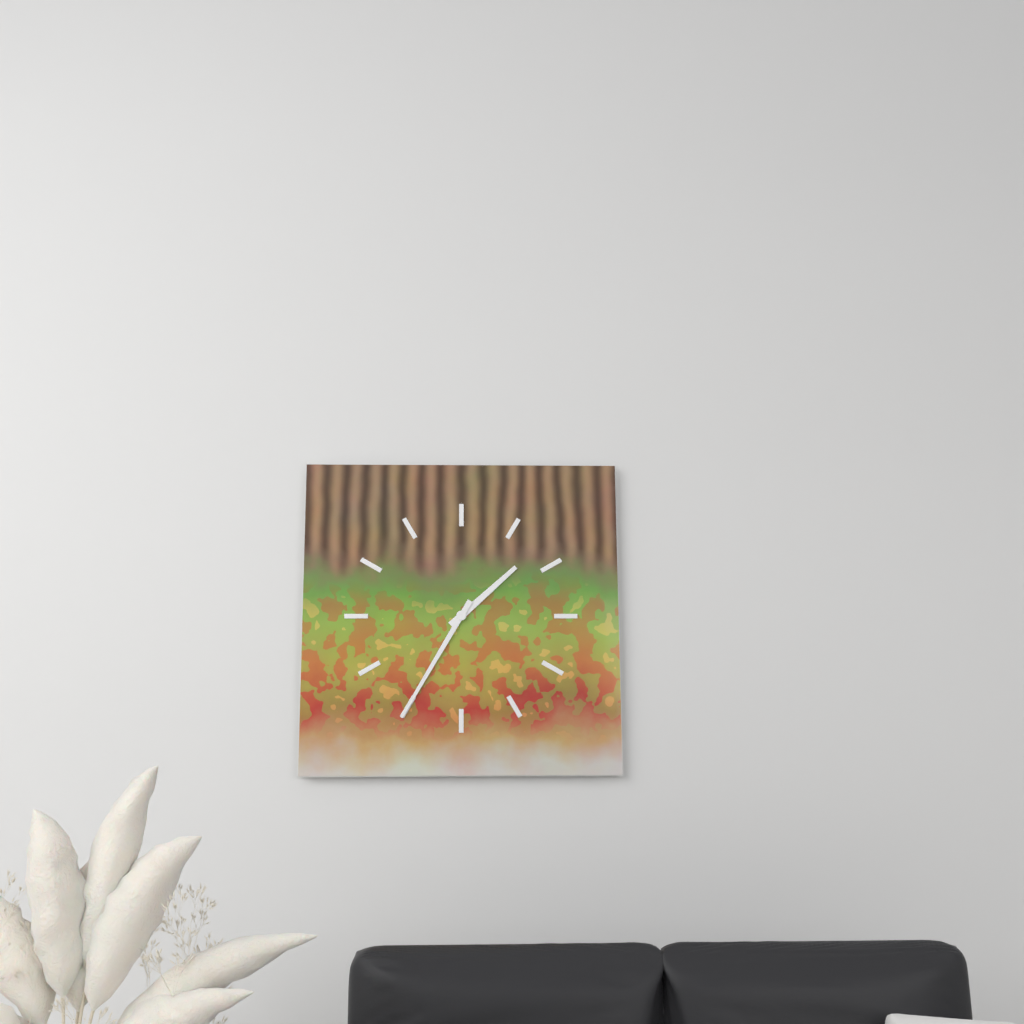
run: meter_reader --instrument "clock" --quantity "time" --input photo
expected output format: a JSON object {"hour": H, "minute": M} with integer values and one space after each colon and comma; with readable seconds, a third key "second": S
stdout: {"hour": 1, "minute": 35}
